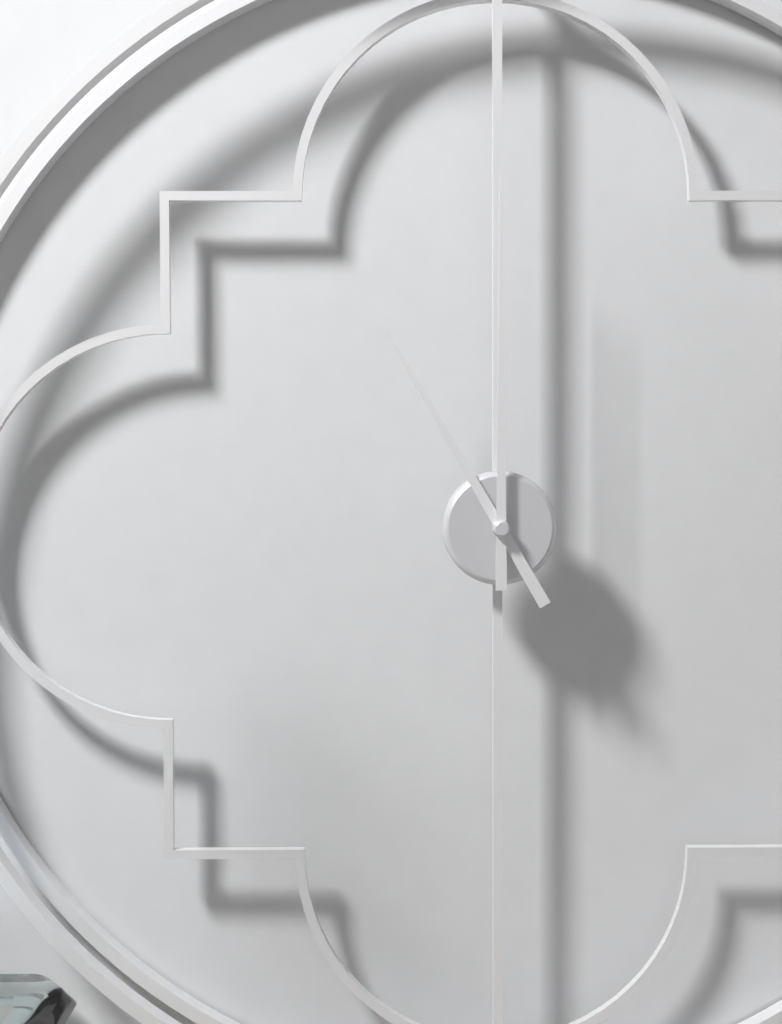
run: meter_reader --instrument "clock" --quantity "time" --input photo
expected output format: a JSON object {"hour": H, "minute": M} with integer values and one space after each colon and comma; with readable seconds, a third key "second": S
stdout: {"hour": 11, "minute": 0}
